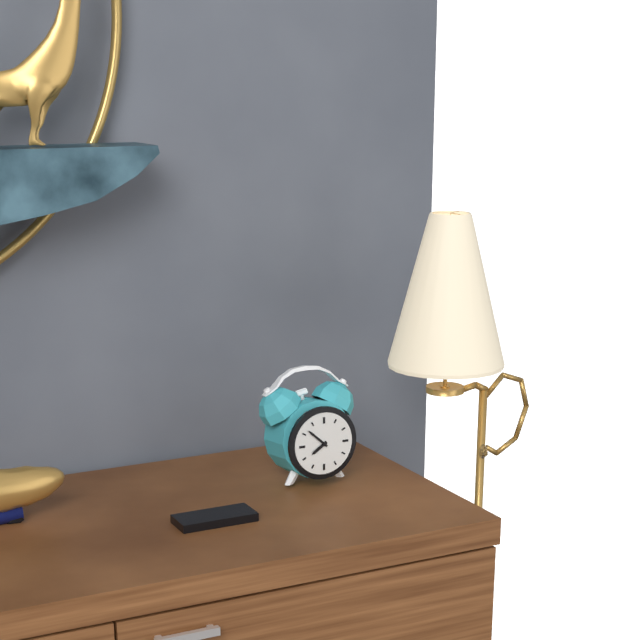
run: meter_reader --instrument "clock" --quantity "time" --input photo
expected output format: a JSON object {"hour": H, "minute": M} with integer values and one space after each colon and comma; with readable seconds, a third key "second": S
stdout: {"hour": 7, "minute": 52}
